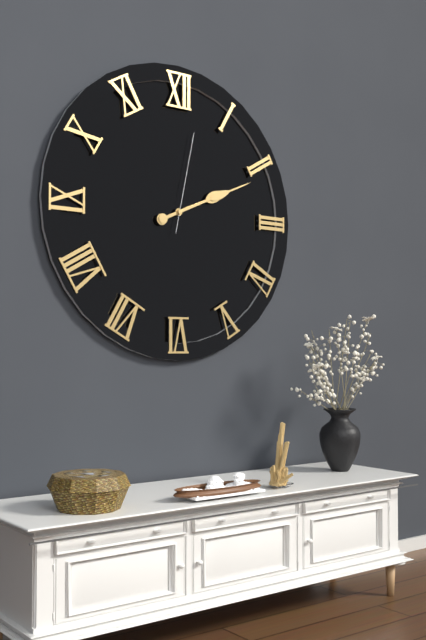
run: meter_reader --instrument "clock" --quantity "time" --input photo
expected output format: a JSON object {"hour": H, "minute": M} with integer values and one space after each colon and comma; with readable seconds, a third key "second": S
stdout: {"hour": 2, "minute": 11, "second": 2}
